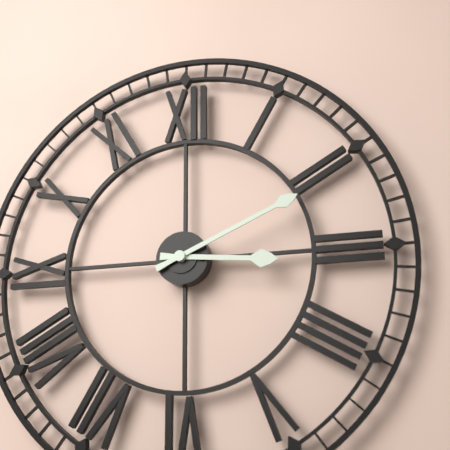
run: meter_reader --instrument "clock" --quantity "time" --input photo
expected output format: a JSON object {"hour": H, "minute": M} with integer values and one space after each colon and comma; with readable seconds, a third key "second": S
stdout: {"hour": 3, "minute": 11}
